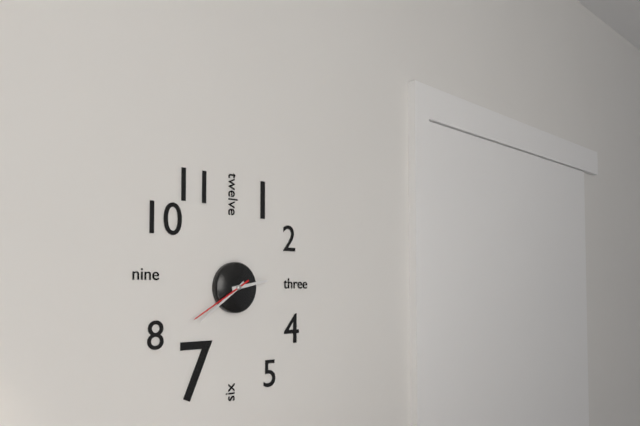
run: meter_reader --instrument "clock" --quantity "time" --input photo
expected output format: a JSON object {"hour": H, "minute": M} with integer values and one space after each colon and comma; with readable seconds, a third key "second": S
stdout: {"hour": 2, "minute": 39, "second": 40}
